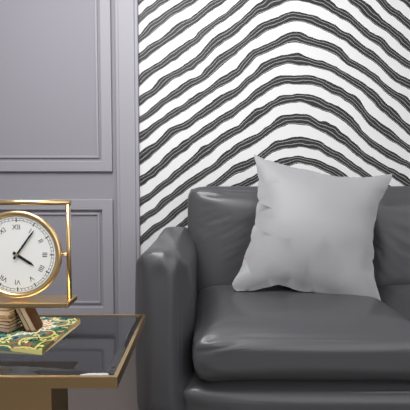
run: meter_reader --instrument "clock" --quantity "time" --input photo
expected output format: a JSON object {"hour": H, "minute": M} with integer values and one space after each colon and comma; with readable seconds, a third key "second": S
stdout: {"hour": 4, "minute": 6}
